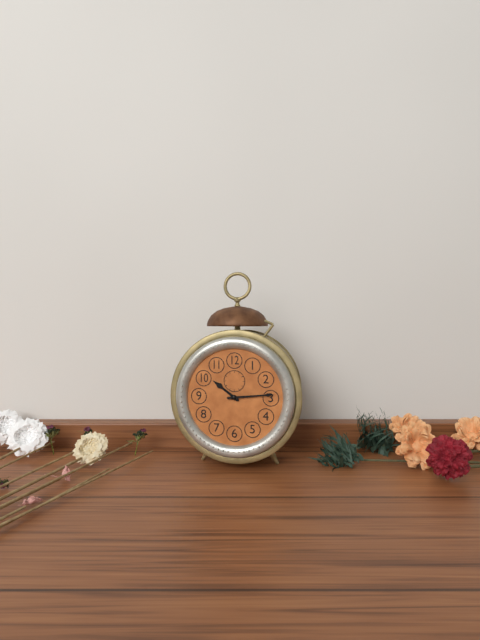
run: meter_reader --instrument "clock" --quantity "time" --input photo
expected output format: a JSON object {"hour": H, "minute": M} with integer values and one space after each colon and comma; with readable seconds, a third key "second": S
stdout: {"hour": 10, "minute": 14}
